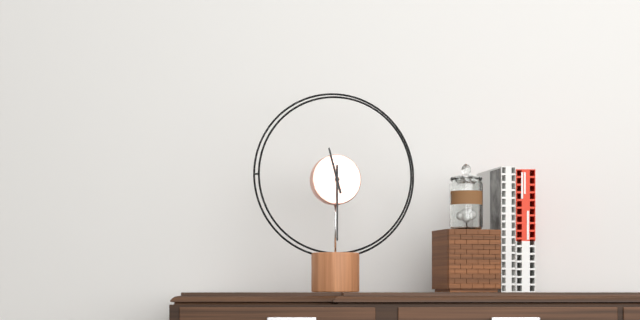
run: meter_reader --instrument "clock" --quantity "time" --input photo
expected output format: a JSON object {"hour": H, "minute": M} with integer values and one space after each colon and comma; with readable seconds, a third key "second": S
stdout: {"hour": 11, "minute": 30}
